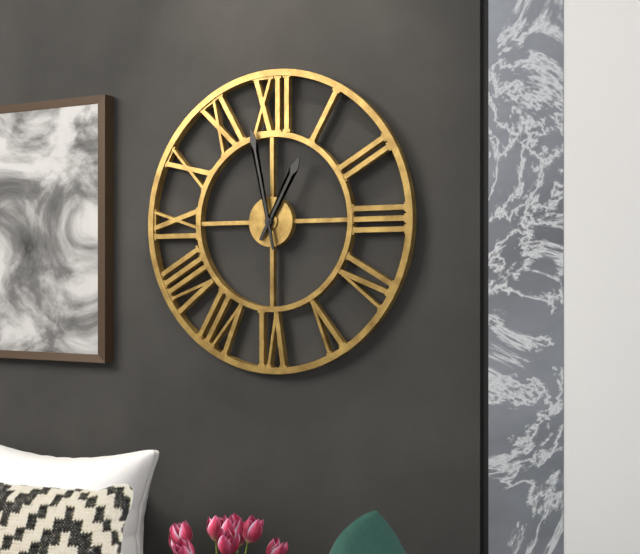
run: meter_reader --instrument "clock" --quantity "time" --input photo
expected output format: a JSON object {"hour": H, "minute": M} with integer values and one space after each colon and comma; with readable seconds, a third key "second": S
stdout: {"hour": 12, "minute": 58}
